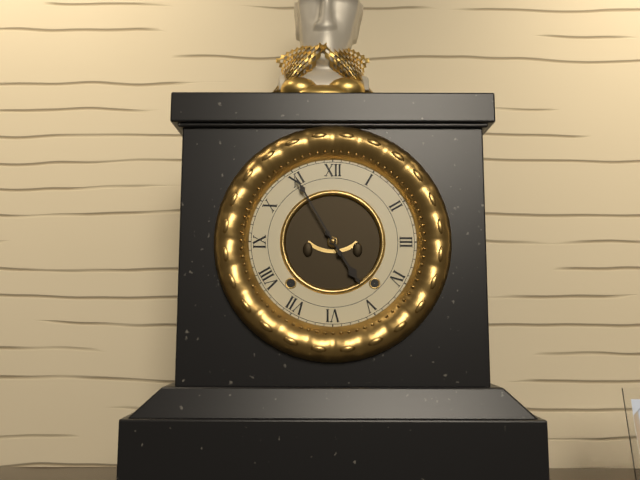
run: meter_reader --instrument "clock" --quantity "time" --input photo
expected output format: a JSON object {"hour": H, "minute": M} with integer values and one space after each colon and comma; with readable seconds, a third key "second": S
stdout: {"hour": 4, "minute": 55}
